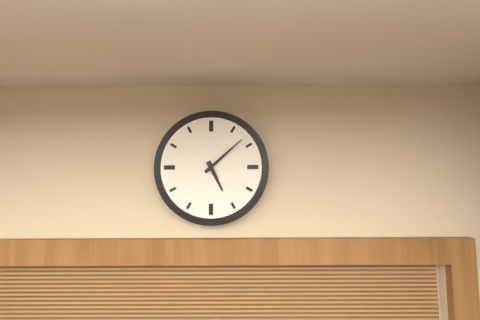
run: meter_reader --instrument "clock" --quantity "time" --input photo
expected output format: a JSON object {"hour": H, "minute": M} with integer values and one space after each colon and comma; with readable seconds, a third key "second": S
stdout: {"hour": 5, "minute": 8}
